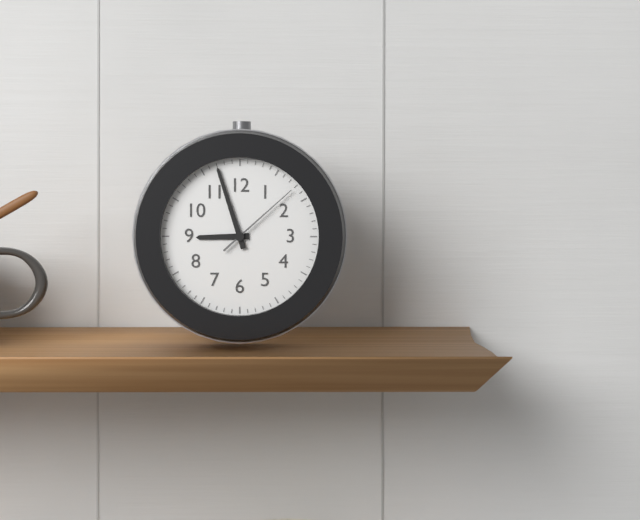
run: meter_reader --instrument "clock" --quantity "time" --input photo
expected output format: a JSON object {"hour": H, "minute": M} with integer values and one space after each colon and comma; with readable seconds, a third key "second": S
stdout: {"hour": 8, "minute": 57, "second": 8}
